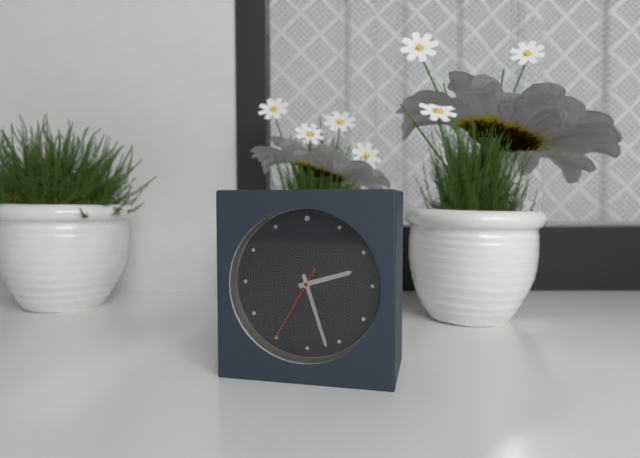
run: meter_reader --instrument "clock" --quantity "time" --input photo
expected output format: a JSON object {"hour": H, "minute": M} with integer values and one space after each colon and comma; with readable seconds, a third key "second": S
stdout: {"hour": 2, "minute": 27, "second": 35}
